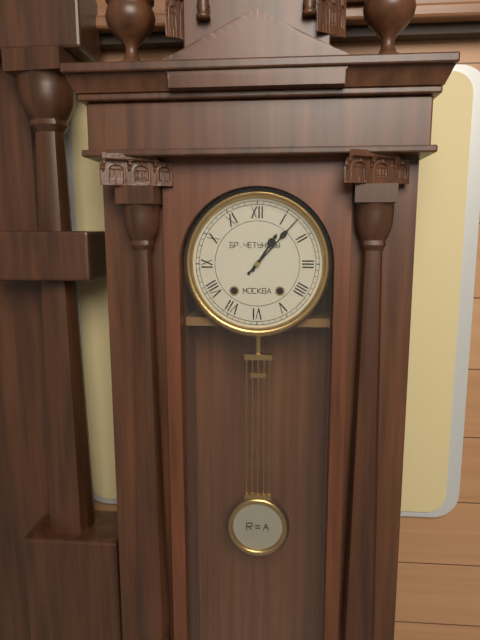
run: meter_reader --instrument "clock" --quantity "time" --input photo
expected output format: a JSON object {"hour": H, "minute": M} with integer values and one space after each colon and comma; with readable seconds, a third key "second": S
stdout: {"hour": 1, "minute": 7}
